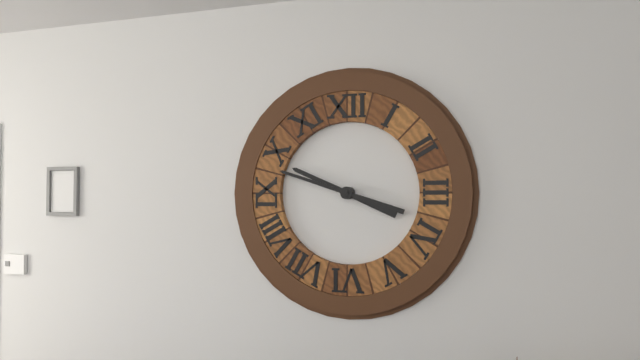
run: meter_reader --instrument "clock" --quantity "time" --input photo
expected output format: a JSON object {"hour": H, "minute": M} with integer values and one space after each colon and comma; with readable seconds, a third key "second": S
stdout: {"hour": 9, "minute": 48}
